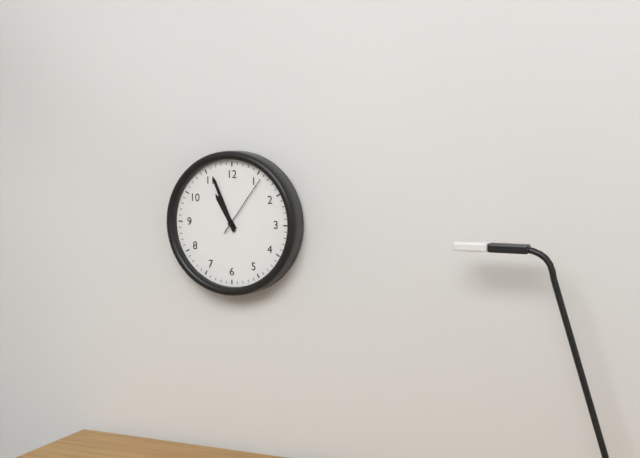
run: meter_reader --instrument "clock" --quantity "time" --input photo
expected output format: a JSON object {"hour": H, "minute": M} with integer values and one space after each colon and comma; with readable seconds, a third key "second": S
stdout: {"hour": 10, "minute": 56, "second": 6}
